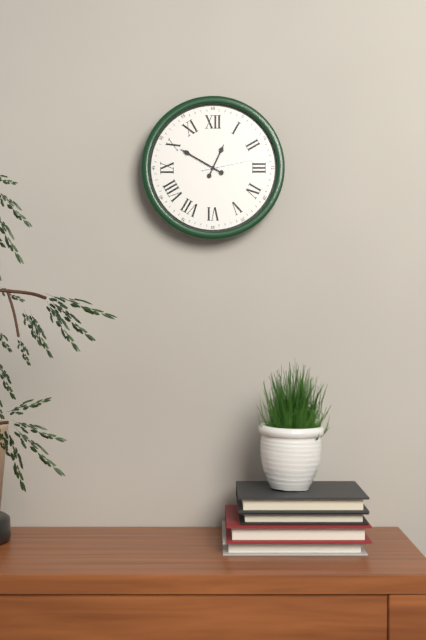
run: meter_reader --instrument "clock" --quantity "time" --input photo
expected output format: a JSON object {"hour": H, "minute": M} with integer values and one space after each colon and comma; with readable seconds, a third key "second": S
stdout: {"hour": 12, "minute": 50, "second": 13}
